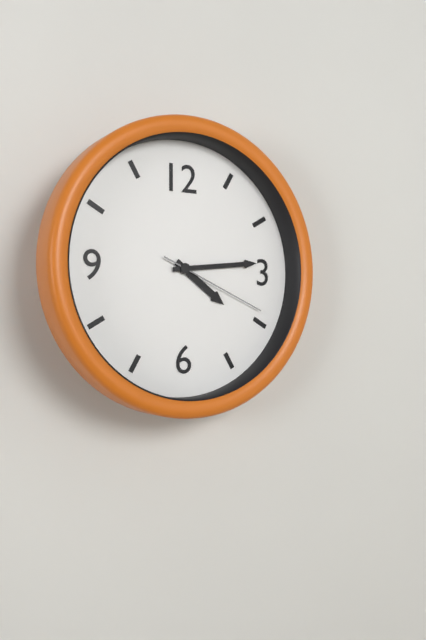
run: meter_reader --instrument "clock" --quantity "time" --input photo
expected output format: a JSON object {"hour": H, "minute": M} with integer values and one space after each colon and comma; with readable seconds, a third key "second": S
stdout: {"hour": 4, "minute": 14, "second": 19}
